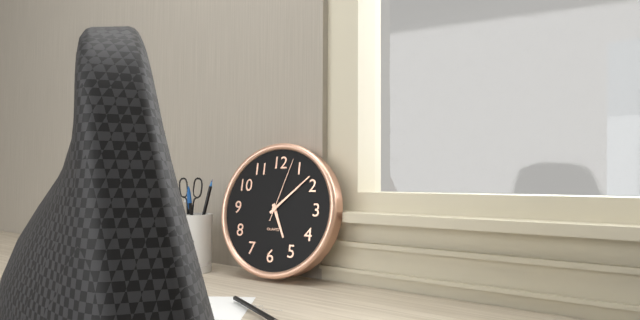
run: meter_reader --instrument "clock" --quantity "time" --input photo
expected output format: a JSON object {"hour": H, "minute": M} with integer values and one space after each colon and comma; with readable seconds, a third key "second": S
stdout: {"hour": 5, "minute": 8, "second": 3}
